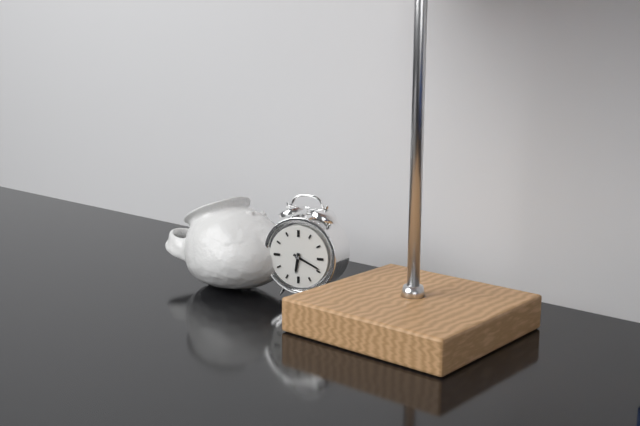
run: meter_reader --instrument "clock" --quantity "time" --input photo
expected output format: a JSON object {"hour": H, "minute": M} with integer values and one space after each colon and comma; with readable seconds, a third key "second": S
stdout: {"hour": 6, "minute": 19}
